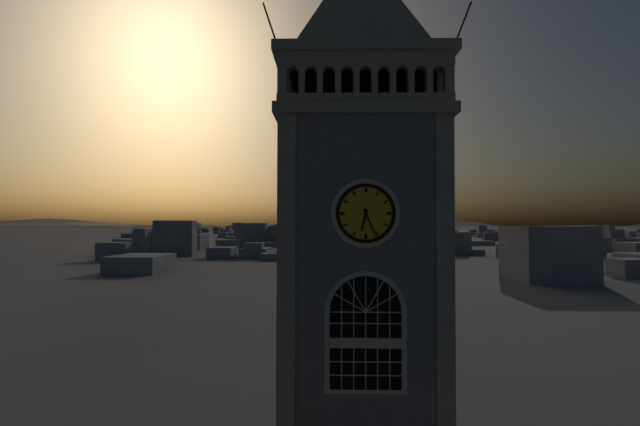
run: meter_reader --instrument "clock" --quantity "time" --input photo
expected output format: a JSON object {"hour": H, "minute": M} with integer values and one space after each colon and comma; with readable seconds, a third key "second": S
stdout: {"hour": 6, "minute": 26}
